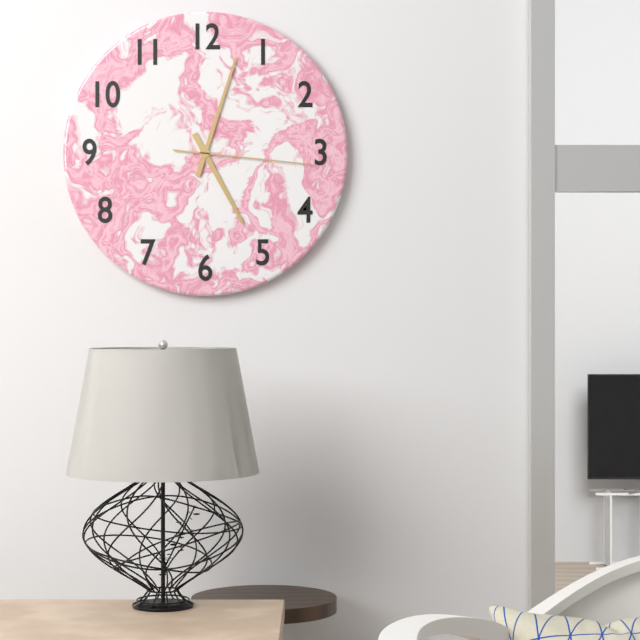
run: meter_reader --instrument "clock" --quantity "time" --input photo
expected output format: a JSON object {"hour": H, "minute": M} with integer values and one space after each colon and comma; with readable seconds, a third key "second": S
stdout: {"hour": 5, "minute": 3, "second": 16}
